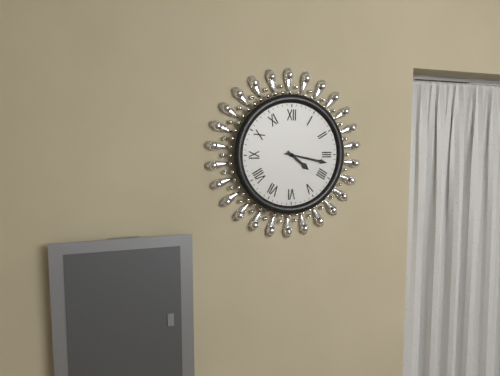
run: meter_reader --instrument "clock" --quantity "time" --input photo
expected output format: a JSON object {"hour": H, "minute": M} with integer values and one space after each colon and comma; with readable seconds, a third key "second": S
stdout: {"hour": 4, "minute": 17}
